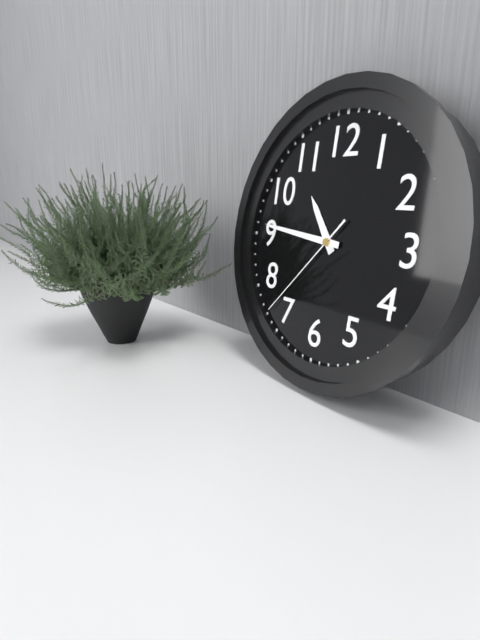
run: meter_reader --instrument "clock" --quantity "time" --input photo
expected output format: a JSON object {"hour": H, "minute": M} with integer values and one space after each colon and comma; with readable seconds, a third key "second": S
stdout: {"hour": 10, "minute": 46, "second": 37}
